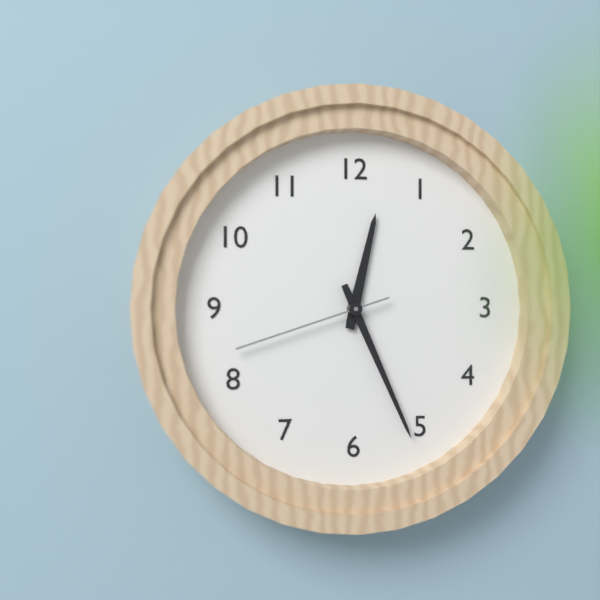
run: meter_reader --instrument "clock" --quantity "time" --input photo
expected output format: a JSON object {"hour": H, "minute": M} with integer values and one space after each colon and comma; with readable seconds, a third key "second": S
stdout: {"hour": 12, "minute": 26, "second": 42}
